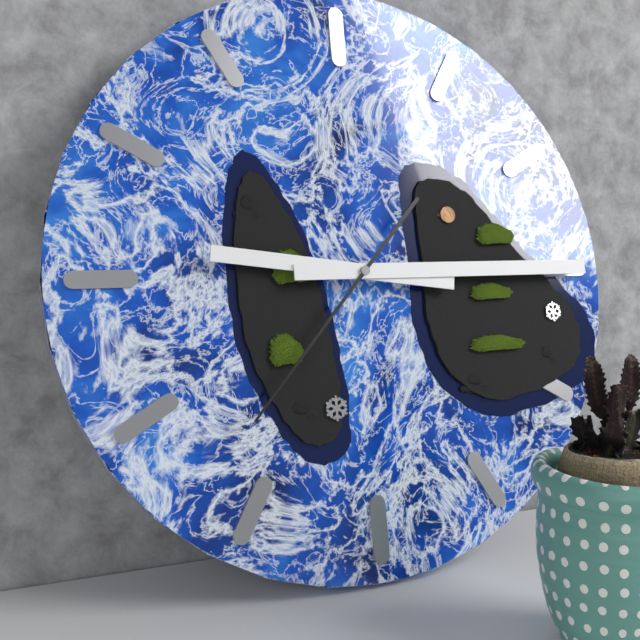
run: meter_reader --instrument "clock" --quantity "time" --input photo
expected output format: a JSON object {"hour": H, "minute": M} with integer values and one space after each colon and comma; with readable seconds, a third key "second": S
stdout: {"hour": 9, "minute": 15, "second": 37}
